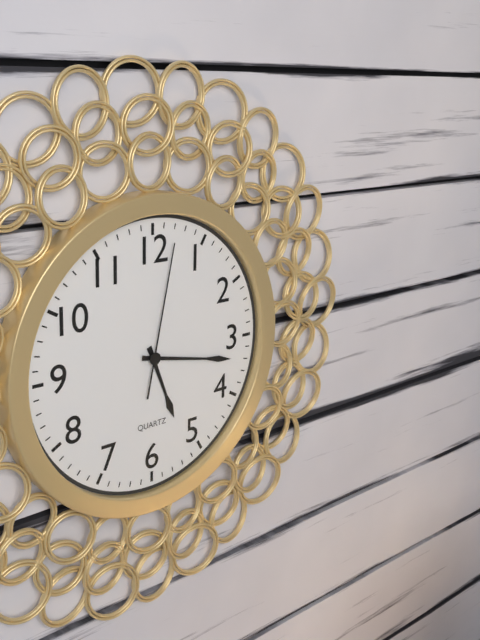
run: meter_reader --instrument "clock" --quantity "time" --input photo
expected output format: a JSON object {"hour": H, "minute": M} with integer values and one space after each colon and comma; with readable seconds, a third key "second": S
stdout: {"hour": 5, "minute": 17, "second": 2}
